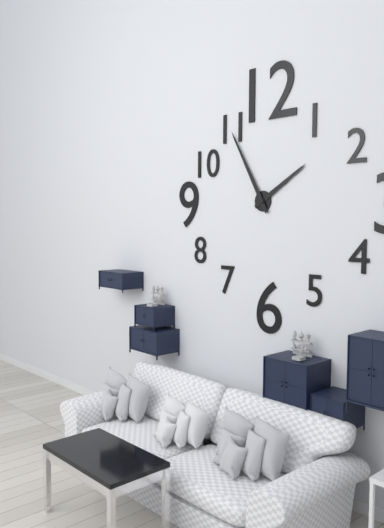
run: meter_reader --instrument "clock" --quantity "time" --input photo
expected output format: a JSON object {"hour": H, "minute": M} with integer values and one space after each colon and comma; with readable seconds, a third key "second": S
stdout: {"hour": 1, "minute": 55}
